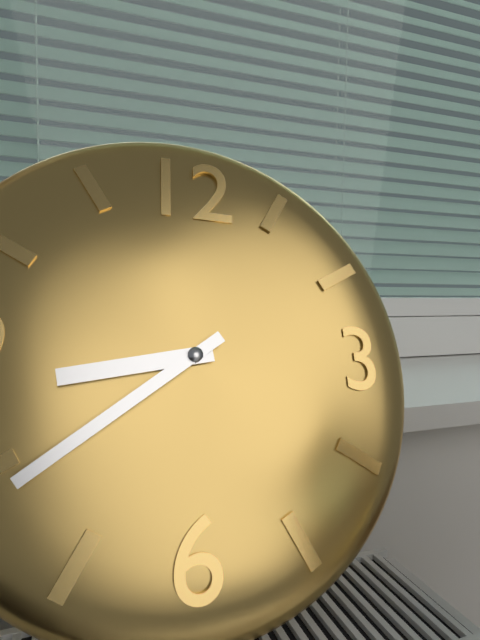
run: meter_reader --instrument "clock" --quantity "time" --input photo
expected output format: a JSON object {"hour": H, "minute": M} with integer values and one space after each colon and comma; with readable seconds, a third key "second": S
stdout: {"hour": 8, "minute": 39}
